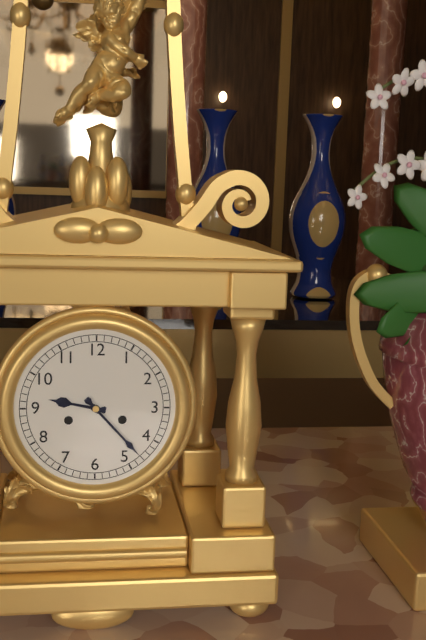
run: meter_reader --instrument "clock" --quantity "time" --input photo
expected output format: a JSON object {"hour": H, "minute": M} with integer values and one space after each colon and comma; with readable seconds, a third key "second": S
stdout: {"hour": 9, "minute": 23}
